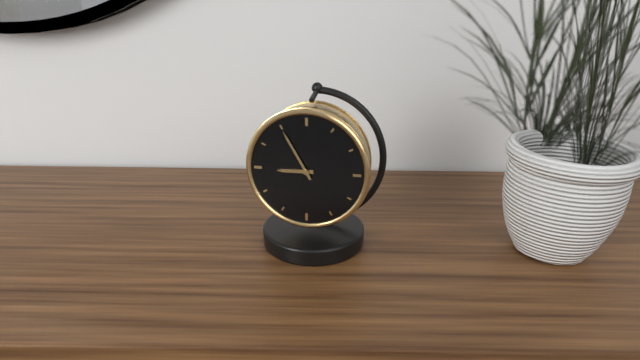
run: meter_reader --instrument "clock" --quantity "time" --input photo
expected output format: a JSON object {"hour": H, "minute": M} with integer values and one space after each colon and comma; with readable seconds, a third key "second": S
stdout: {"hour": 8, "minute": 55}
